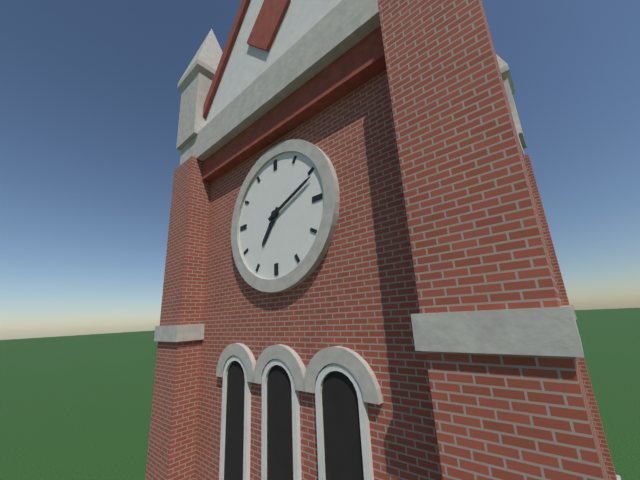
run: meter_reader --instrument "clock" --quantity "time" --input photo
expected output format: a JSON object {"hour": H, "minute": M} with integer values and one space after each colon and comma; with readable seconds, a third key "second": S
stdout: {"hour": 7, "minute": 11}
